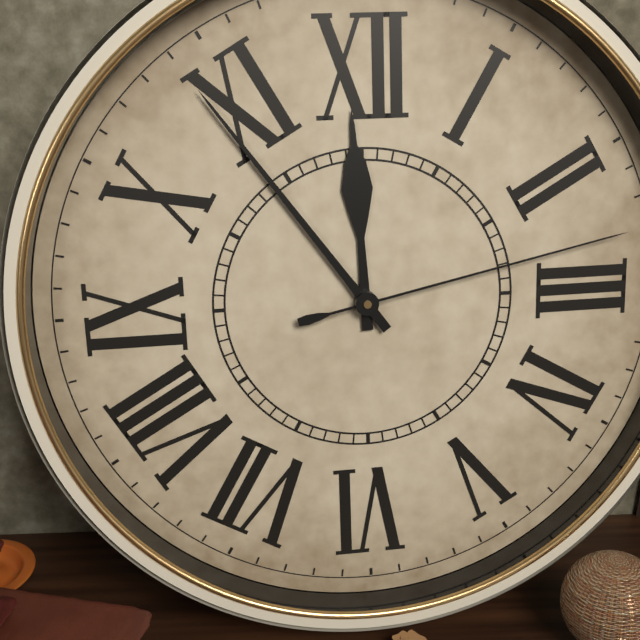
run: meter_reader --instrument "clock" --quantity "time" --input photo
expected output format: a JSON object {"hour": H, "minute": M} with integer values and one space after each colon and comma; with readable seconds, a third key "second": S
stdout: {"hour": 11, "minute": 54, "second": 13}
